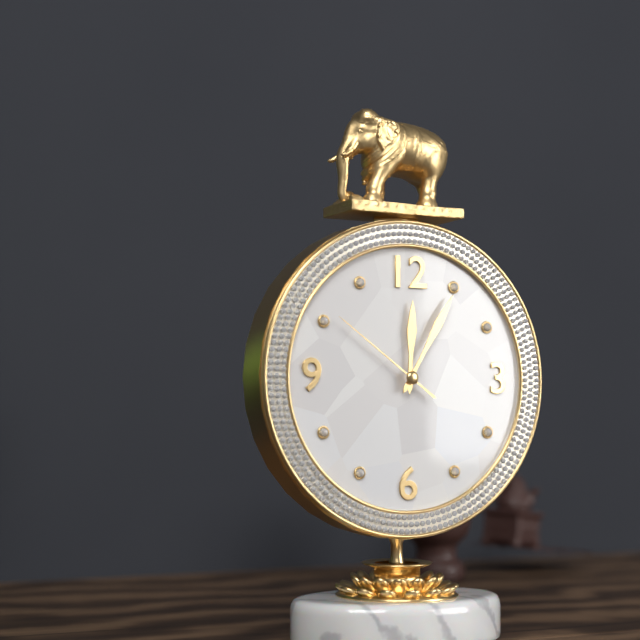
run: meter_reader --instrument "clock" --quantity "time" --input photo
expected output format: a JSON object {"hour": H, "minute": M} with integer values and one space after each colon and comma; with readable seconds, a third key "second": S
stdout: {"hour": 12, "minute": 5, "second": 51}
